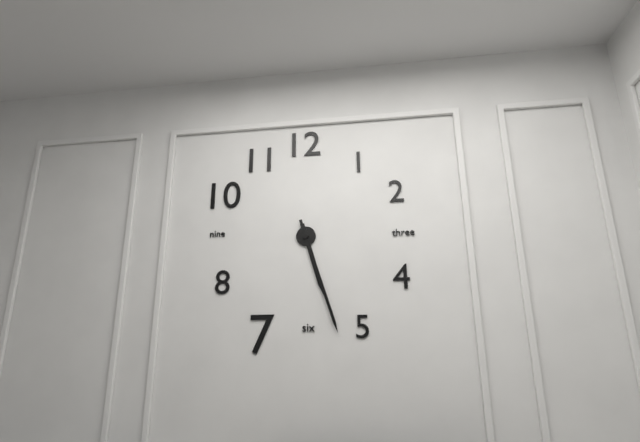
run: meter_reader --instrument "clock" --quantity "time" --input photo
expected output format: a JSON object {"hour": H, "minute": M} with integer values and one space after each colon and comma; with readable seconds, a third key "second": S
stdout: {"hour": 5, "minute": 27}
